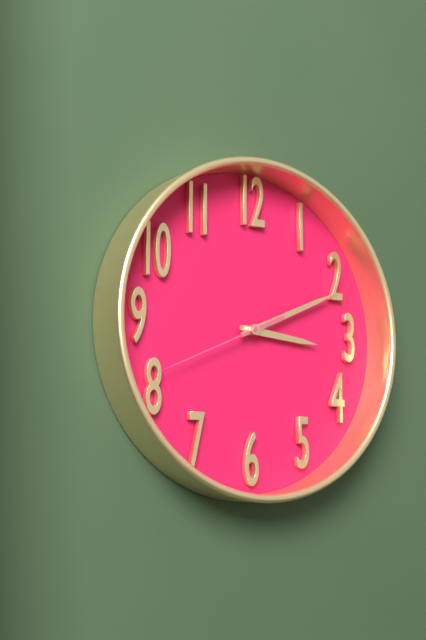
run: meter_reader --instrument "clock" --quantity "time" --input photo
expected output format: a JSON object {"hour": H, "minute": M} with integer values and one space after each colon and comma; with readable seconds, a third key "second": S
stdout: {"hour": 3, "minute": 11, "second": 41}
